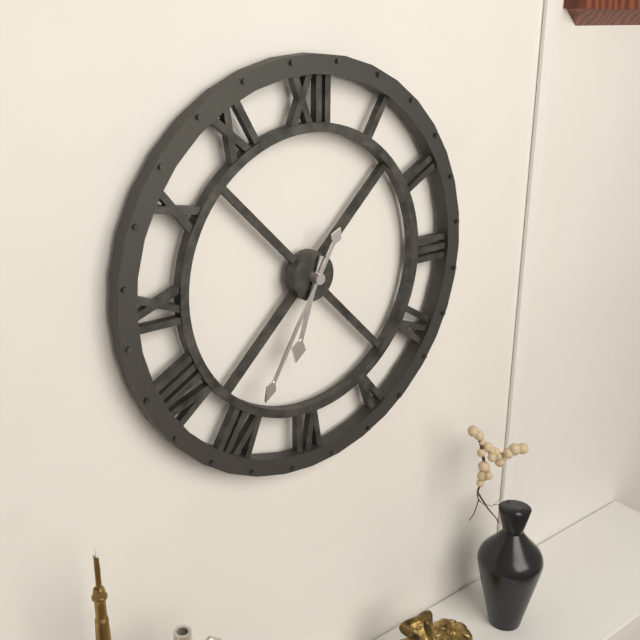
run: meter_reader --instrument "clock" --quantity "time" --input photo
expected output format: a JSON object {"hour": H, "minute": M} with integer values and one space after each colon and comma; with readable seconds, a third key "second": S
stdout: {"hour": 6, "minute": 35}
